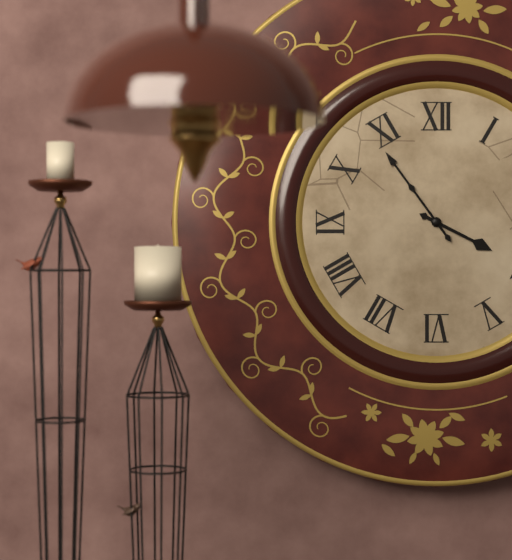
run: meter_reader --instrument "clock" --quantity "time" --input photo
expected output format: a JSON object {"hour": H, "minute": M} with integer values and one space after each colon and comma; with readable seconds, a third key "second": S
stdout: {"hour": 3, "minute": 54}
